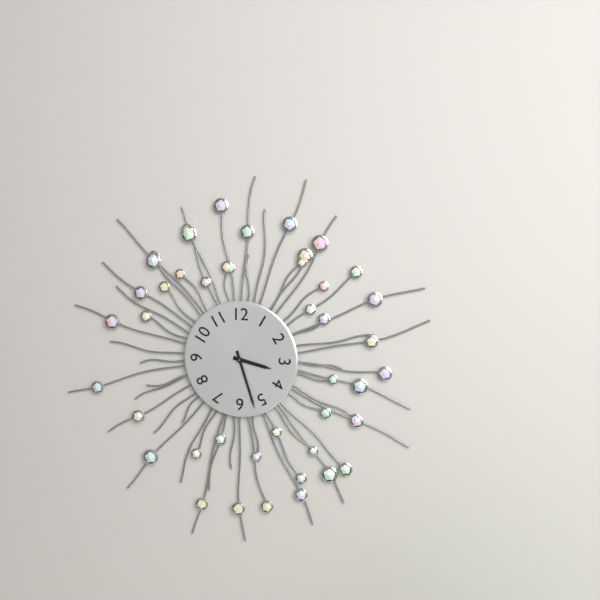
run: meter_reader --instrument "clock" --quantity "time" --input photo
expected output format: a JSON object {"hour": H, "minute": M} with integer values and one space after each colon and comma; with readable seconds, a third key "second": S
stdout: {"hour": 3, "minute": 27}
